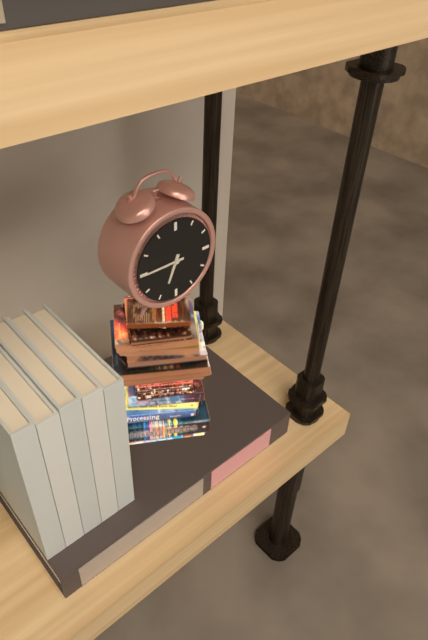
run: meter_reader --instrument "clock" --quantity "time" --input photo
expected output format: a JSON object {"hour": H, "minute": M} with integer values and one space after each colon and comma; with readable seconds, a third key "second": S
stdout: {"hour": 6, "minute": 45}
